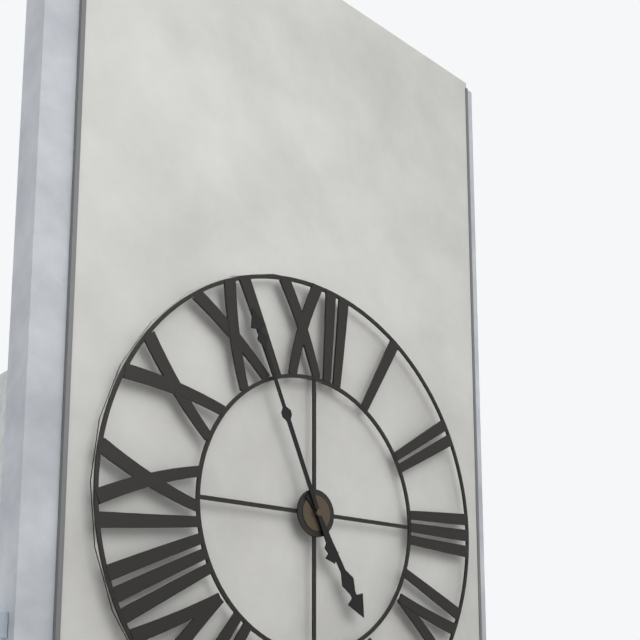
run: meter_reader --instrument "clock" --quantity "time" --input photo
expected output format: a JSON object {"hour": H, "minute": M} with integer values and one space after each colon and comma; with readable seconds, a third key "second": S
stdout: {"hour": 4, "minute": 56}
